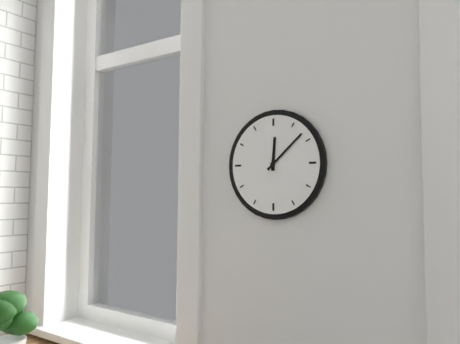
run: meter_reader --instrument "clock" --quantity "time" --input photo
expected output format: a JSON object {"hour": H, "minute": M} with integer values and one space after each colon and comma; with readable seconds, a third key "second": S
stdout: {"hour": 12, "minute": 8}
